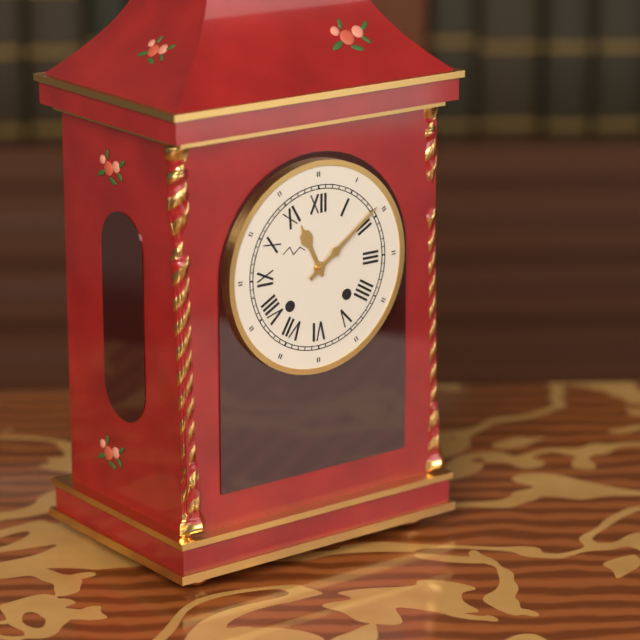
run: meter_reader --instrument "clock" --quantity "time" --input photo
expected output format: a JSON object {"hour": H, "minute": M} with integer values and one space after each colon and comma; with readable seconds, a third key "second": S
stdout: {"hour": 11, "minute": 9}
